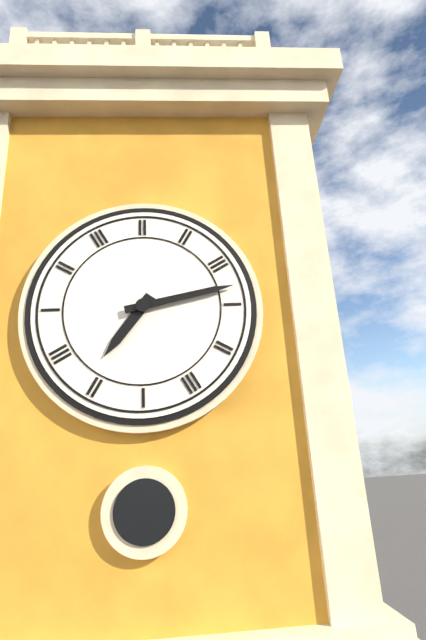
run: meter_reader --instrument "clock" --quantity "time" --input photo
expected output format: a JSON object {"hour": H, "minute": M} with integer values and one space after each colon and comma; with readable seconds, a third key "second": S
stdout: {"hour": 7, "minute": 13}
